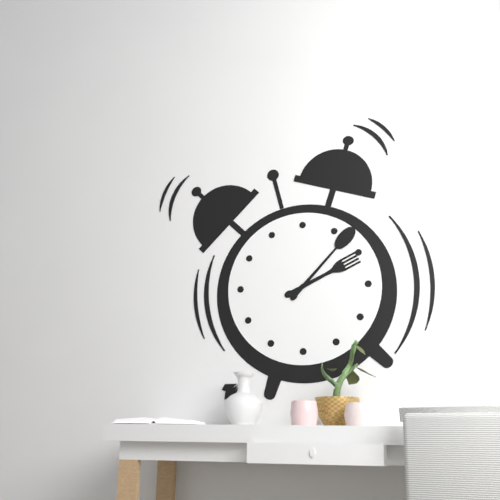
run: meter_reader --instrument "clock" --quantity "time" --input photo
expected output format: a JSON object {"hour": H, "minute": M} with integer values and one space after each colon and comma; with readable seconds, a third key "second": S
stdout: {"hour": 2, "minute": 7}
